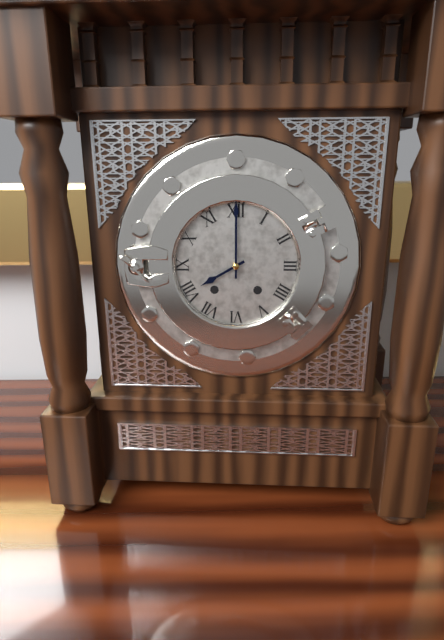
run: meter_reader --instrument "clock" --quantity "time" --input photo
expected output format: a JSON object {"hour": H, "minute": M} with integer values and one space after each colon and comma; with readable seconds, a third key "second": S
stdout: {"hour": 8, "minute": 0}
